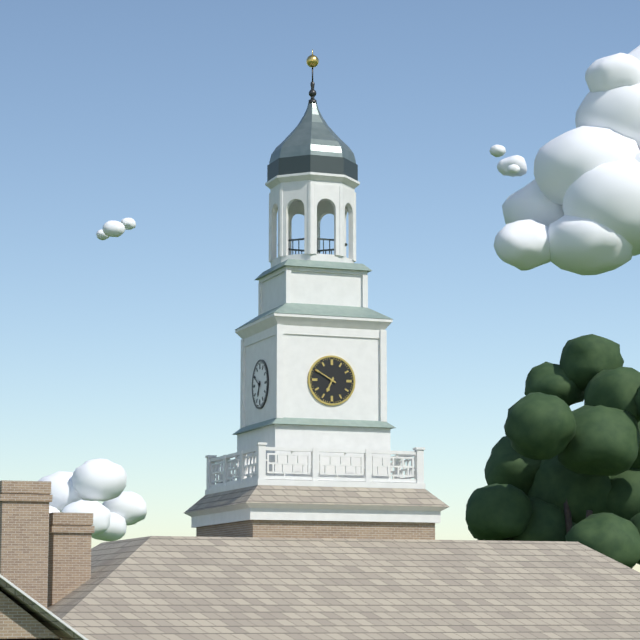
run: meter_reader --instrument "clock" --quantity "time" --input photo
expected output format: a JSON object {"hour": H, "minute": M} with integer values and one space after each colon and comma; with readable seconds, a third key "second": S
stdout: {"hour": 6, "minute": 50}
